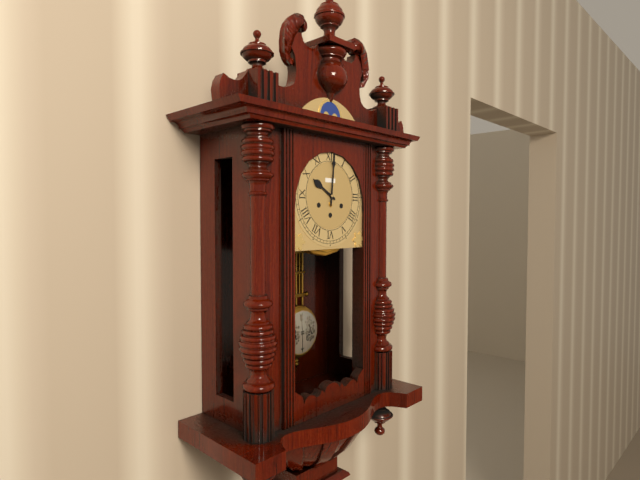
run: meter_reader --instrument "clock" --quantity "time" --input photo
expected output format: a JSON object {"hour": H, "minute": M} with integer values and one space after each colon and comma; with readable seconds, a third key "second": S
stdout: {"hour": 10, "minute": 1}
